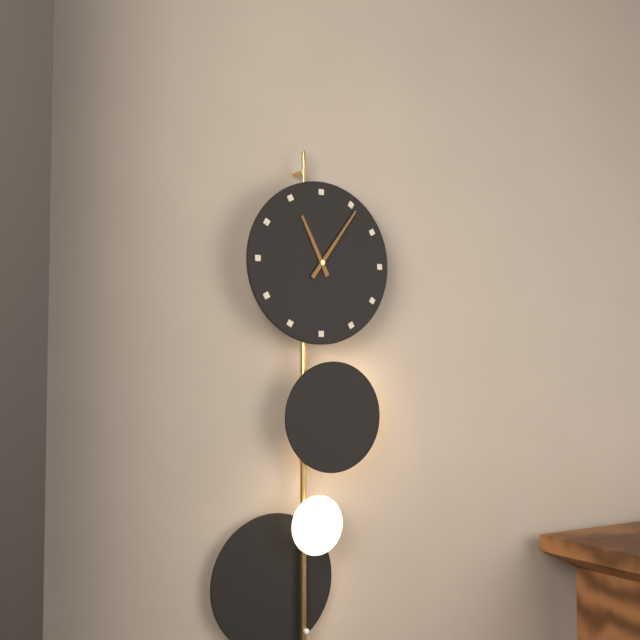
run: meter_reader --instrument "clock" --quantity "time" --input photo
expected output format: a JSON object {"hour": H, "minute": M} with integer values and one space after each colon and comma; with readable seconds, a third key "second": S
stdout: {"hour": 11, "minute": 6}
